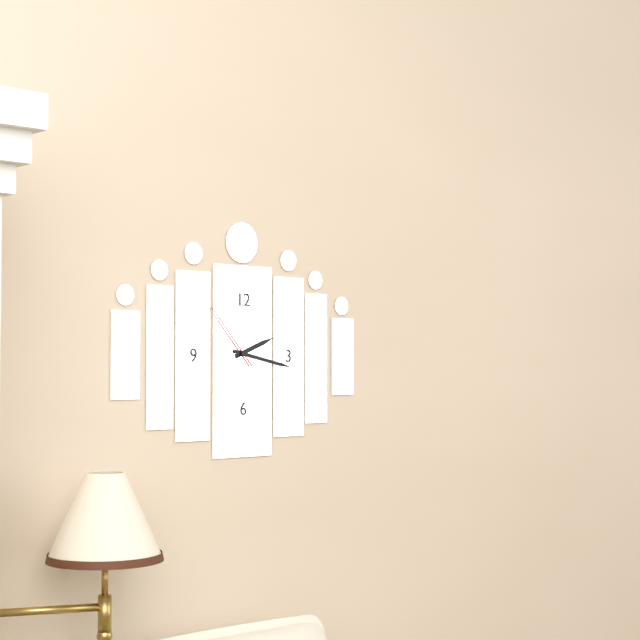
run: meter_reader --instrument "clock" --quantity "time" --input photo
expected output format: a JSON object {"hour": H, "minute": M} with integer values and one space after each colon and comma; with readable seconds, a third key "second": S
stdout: {"hour": 2, "minute": 17, "second": 53}
